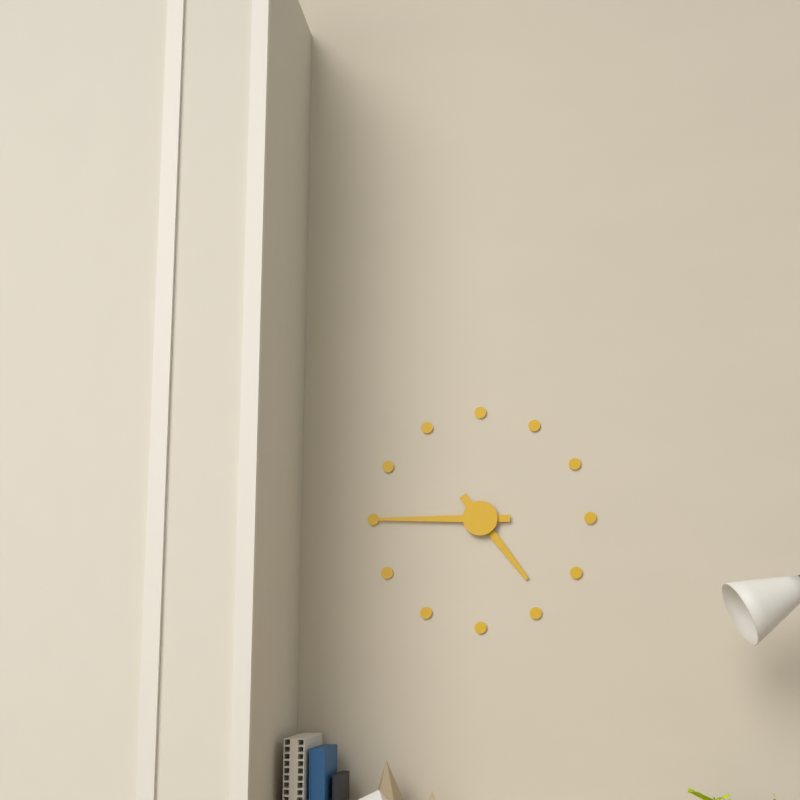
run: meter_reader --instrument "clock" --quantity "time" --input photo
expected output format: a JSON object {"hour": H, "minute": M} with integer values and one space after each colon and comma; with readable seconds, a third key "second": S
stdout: {"hour": 4, "minute": 45}
